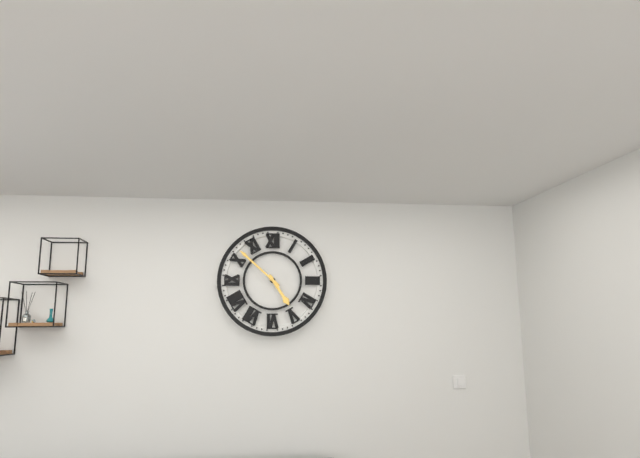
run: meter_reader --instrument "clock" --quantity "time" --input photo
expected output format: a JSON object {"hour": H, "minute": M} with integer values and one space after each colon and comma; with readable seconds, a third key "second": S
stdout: {"hour": 4, "minute": 52}
